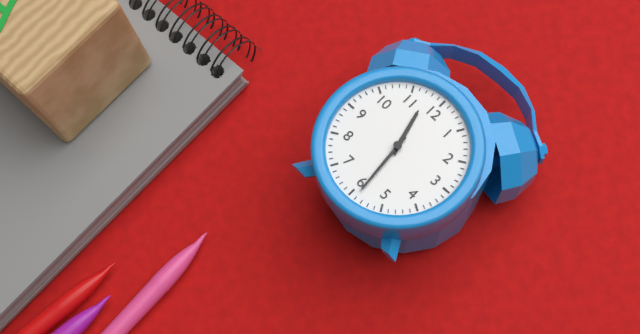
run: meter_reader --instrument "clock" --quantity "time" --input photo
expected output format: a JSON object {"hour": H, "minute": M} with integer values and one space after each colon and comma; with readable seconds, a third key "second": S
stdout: {"hour": 11, "minute": 29}
